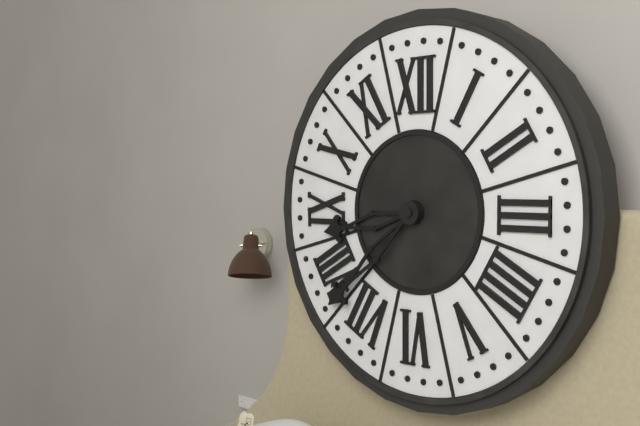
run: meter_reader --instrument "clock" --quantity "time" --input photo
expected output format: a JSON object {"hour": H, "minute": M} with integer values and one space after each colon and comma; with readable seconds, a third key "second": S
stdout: {"hour": 8, "minute": 38}
